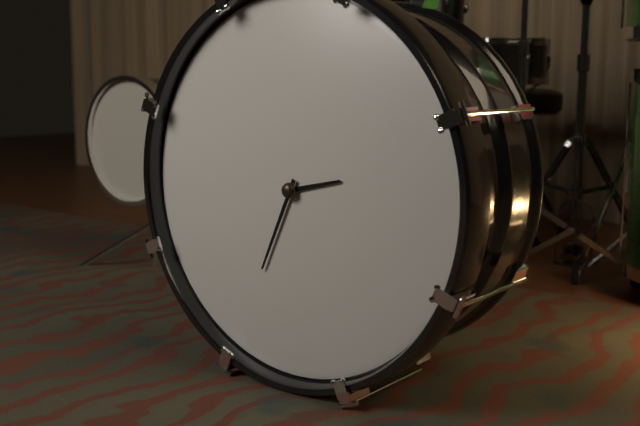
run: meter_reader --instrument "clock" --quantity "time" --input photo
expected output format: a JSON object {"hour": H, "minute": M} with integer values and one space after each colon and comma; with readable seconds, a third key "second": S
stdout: {"hour": 2, "minute": 34}
